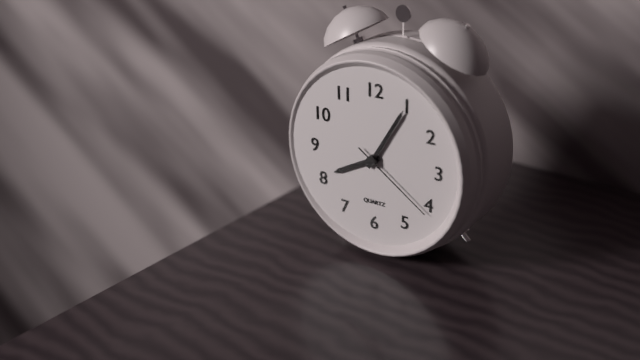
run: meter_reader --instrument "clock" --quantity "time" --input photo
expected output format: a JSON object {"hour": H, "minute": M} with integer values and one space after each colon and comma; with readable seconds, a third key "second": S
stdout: {"hour": 8, "minute": 5, "second": 21}
